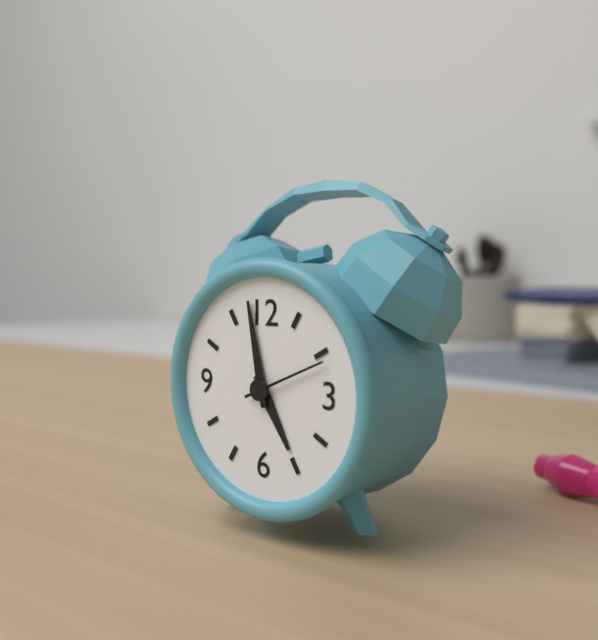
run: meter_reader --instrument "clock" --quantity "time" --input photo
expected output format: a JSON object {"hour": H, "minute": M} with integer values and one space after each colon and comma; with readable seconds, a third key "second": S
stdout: {"hour": 4, "minute": 58, "second": 11}
